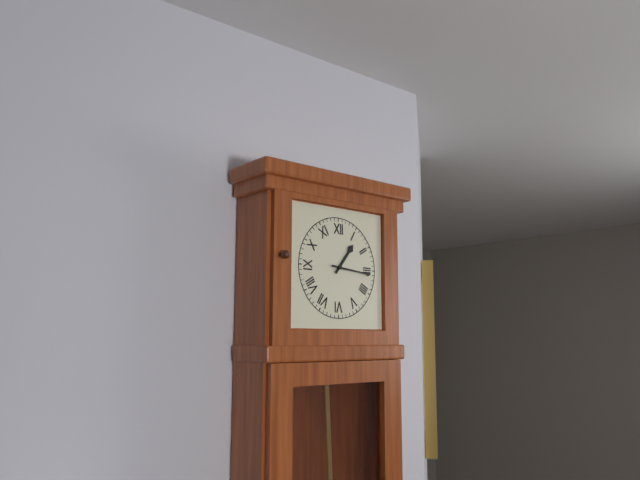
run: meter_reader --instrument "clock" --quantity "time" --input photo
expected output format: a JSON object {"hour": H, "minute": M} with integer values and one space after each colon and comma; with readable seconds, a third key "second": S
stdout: {"hour": 1, "minute": 16}
